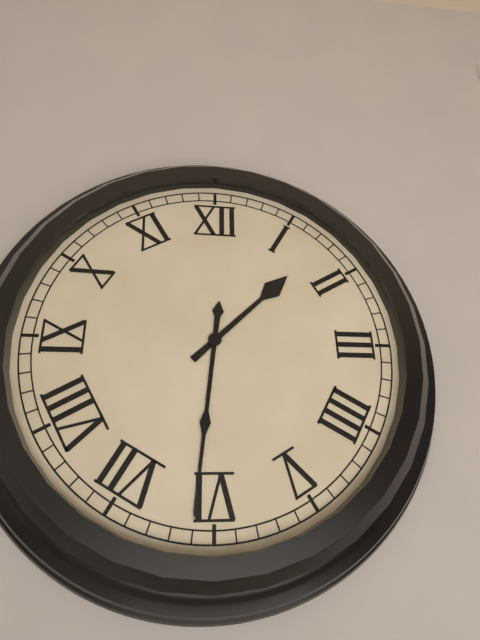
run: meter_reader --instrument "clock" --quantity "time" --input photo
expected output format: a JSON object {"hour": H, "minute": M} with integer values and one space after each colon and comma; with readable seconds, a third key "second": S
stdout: {"hour": 1, "minute": 31}
